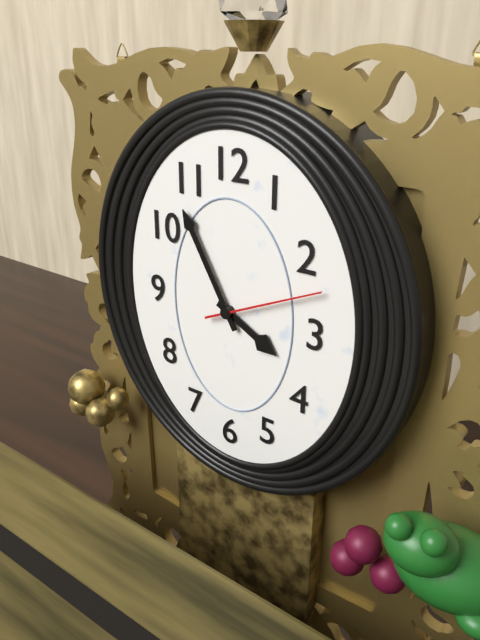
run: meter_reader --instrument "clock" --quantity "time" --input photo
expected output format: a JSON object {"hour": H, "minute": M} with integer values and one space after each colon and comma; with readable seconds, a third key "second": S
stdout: {"hour": 3, "minute": 55, "second": 11}
